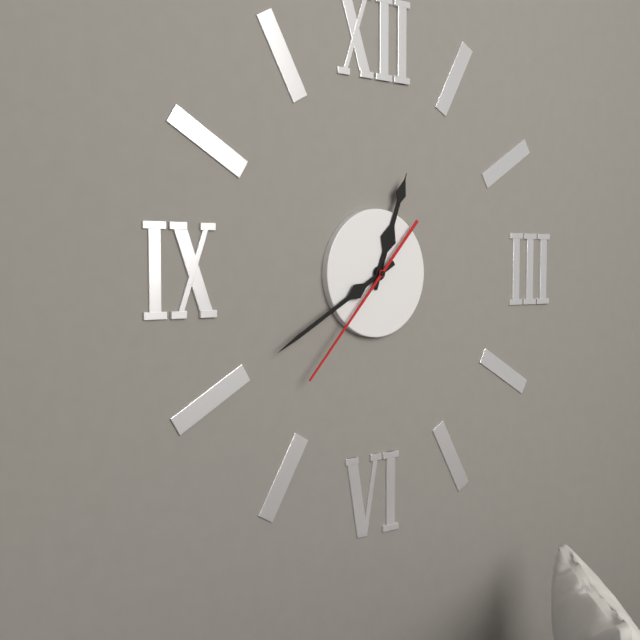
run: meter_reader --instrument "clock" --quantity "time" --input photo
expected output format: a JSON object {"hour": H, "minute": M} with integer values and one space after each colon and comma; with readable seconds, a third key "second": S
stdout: {"hour": 12, "minute": 40, "second": 37}
